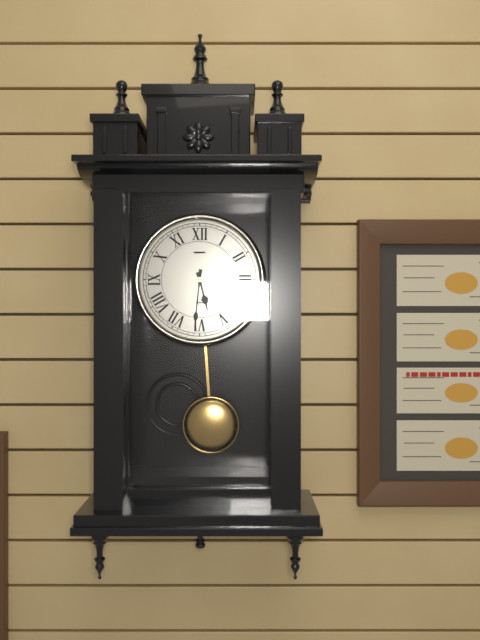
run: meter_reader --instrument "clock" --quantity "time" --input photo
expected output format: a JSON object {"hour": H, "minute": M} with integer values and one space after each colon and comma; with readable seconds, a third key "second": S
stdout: {"hour": 5, "minute": 31}
